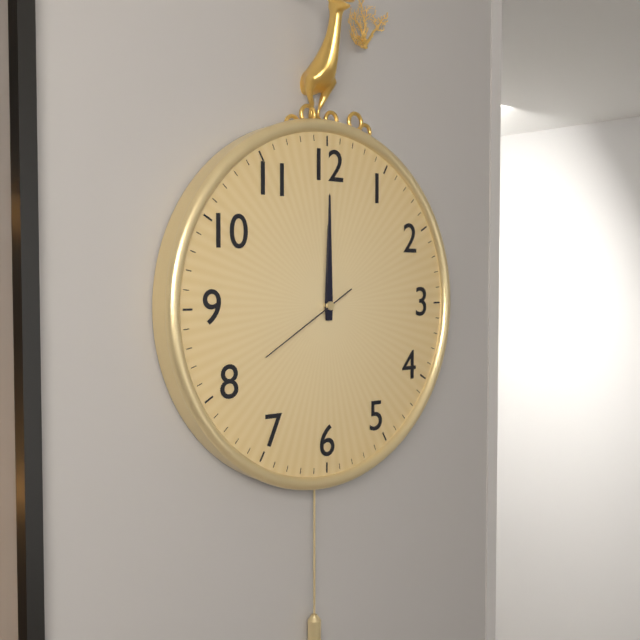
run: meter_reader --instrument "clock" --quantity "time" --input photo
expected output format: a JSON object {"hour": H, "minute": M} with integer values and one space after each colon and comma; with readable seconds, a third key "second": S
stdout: {"hour": 12, "minute": 0, "second": 40}
